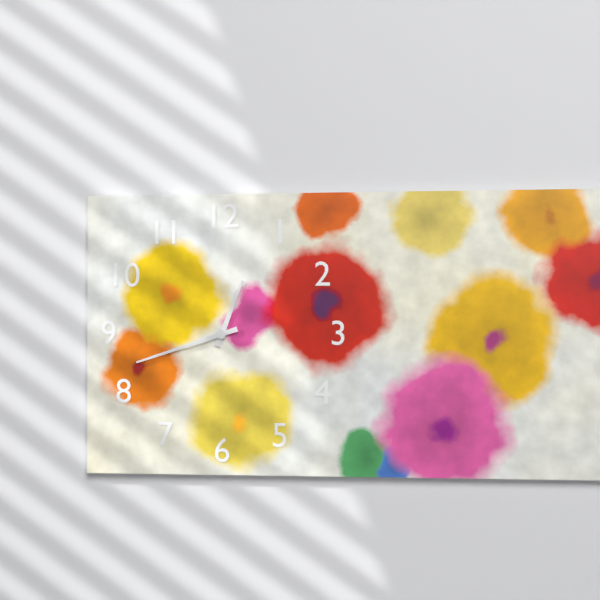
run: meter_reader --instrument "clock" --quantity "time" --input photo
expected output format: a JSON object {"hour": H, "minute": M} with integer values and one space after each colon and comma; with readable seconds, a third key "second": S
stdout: {"hour": 12, "minute": 42}
